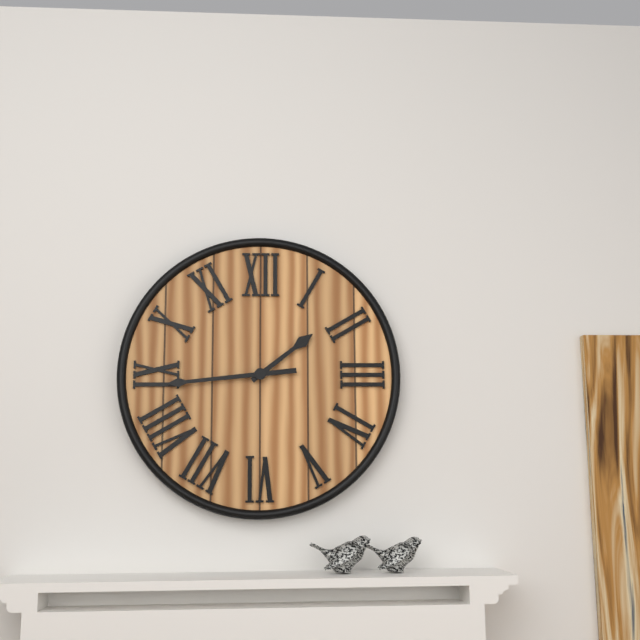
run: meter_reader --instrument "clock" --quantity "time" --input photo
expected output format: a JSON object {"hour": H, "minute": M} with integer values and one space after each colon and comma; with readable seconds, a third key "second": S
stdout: {"hour": 1, "minute": 44}
